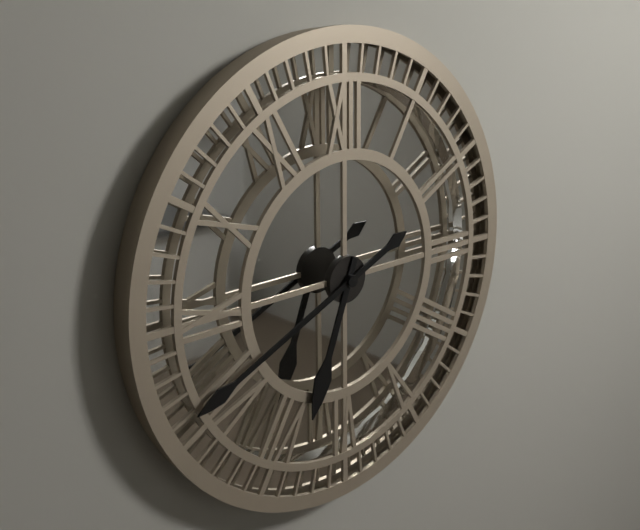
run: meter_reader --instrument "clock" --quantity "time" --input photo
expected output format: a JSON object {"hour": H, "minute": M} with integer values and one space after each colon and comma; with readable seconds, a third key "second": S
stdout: {"hour": 6, "minute": 41}
